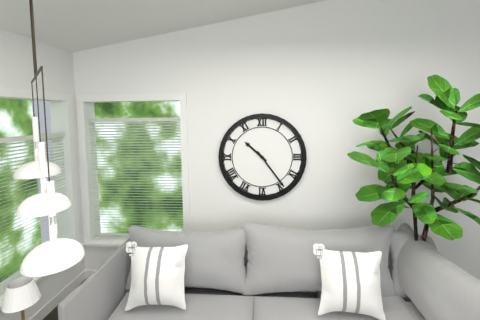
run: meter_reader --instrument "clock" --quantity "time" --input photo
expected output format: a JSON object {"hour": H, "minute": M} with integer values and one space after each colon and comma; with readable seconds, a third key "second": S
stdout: {"hour": 10, "minute": 24}
